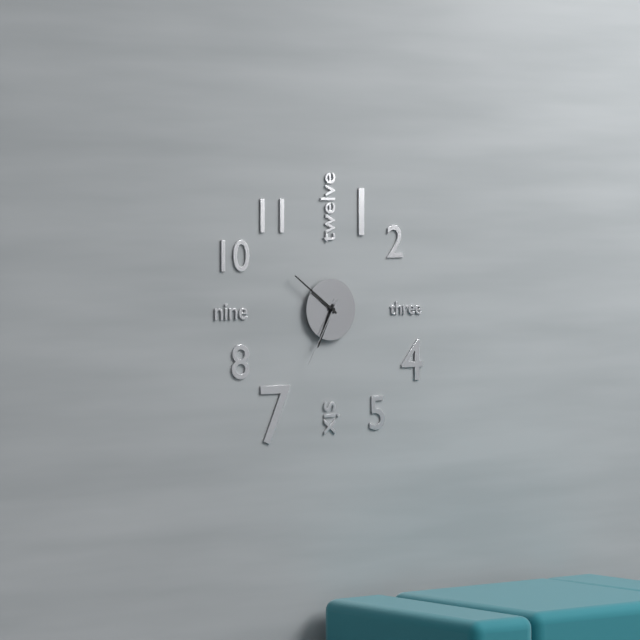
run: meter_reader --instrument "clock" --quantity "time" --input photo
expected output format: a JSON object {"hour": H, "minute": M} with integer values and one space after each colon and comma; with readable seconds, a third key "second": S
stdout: {"hour": 6, "minute": 51, "second": 35}
